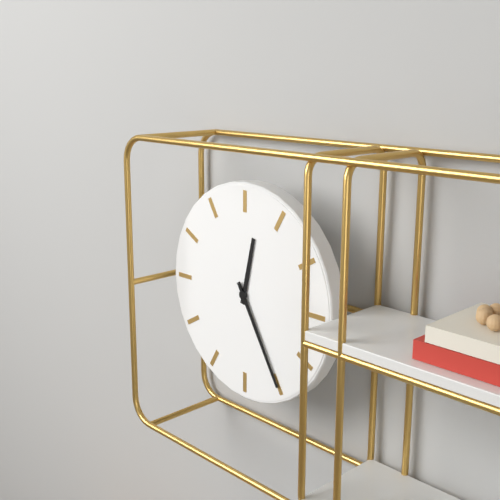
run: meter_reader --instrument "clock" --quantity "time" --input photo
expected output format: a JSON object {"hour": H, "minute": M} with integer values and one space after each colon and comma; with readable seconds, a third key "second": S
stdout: {"hour": 12, "minute": 25}
